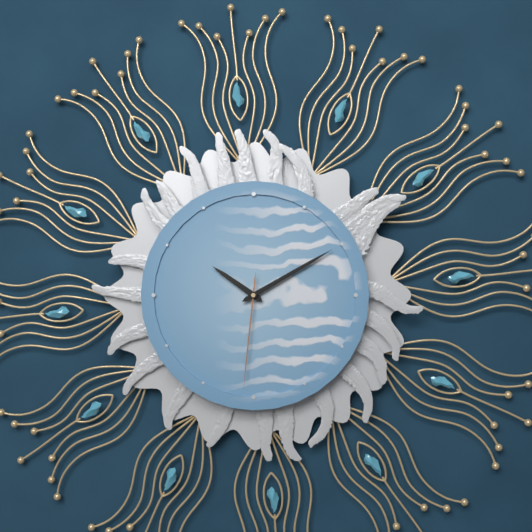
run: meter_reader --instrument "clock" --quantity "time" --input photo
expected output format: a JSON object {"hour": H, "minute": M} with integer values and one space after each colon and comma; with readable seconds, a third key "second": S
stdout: {"hour": 10, "minute": 10, "second": 31}
